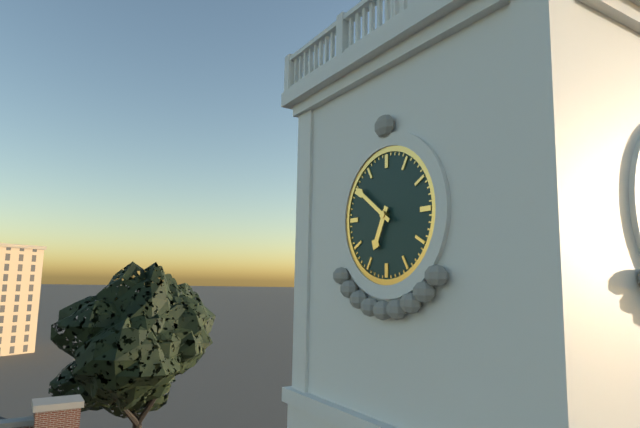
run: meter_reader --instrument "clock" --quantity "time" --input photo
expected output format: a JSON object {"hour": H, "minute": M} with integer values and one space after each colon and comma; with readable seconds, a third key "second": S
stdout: {"hour": 6, "minute": 51}
